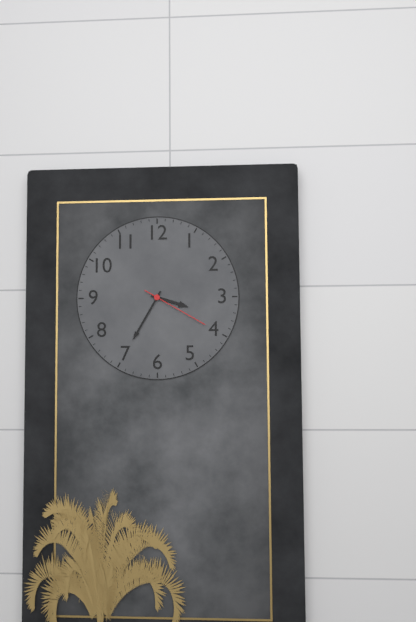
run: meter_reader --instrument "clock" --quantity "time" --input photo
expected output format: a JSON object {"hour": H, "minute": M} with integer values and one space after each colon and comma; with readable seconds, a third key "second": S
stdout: {"hour": 3, "minute": 35, "second": 20}
